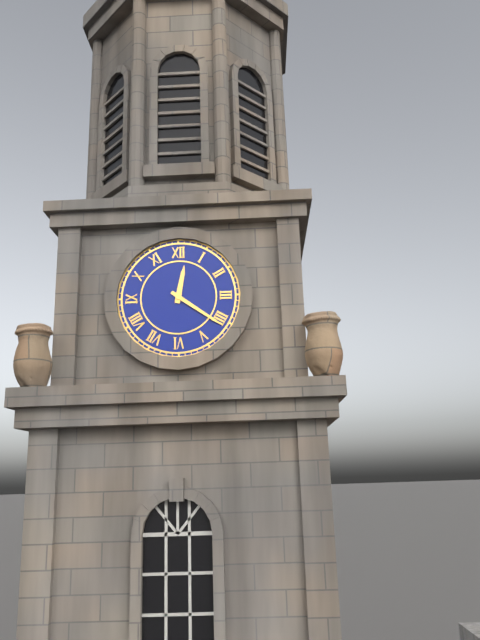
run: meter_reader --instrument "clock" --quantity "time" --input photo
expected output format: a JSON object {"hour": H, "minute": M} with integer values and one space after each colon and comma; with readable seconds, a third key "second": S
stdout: {"hour": 12, "minute": 21}
